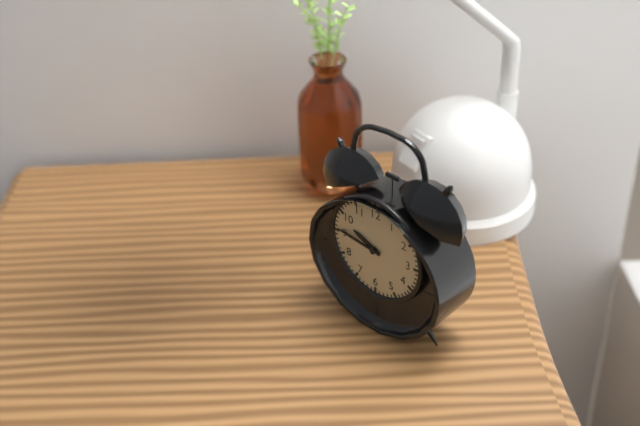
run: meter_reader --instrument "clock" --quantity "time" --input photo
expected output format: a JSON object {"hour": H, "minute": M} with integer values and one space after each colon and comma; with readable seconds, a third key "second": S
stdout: {"hour": 9, "minute": 46}
